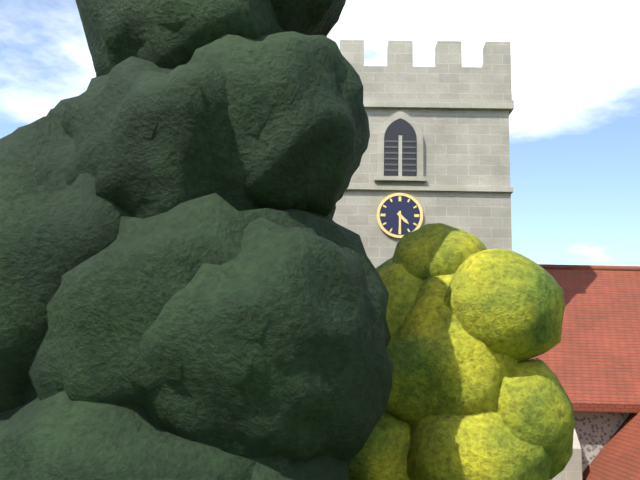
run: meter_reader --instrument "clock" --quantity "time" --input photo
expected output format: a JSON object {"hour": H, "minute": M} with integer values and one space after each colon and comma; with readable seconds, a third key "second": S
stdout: {"hour": 4, "minute": 30}
